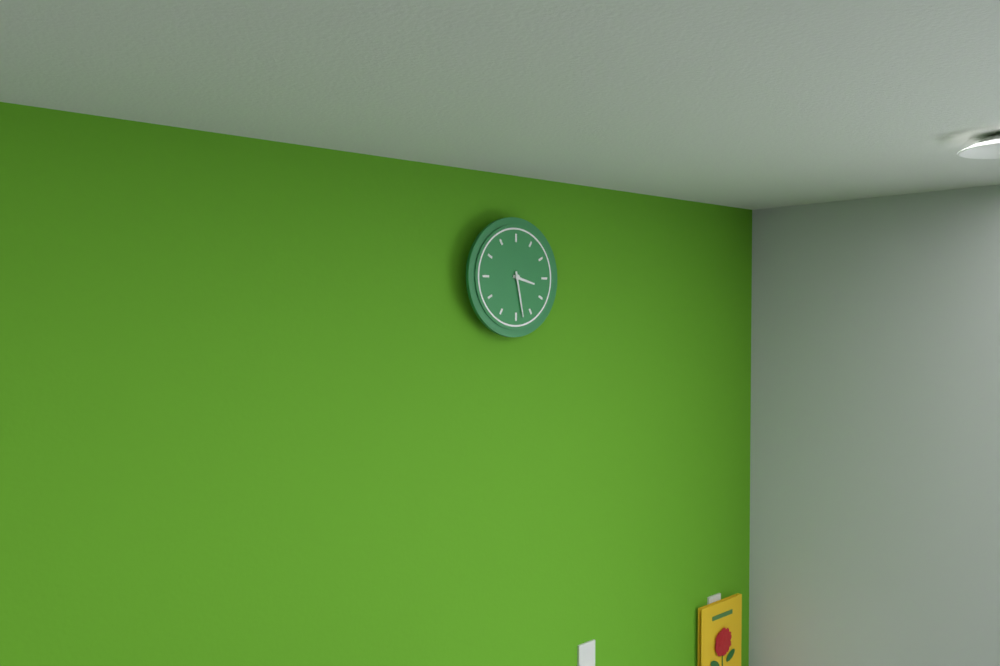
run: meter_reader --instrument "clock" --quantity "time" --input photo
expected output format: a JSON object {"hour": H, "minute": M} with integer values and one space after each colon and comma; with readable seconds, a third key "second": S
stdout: {"hour": 3, "minute": 28}
